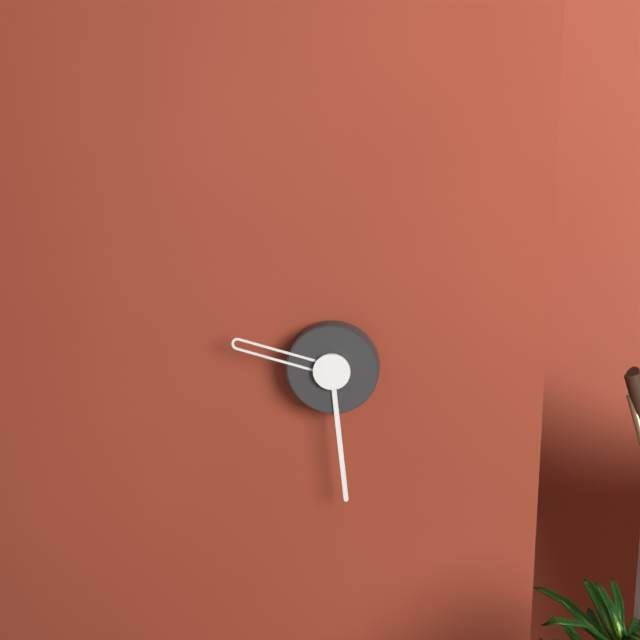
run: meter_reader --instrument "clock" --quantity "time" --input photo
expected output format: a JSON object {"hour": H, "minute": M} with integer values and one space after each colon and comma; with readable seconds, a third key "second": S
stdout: {"hour": 9, "minute": 29}
